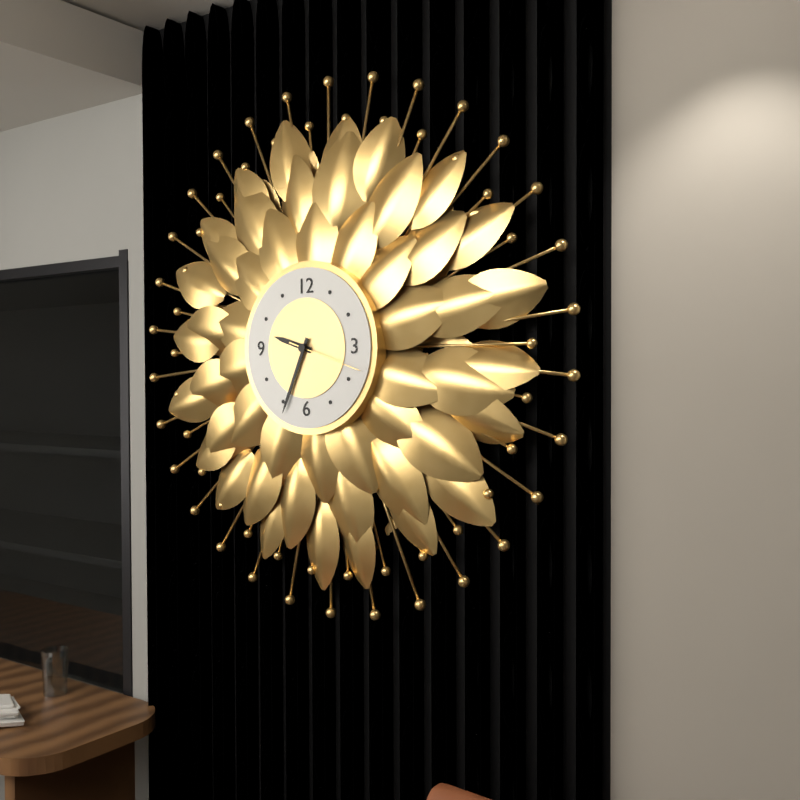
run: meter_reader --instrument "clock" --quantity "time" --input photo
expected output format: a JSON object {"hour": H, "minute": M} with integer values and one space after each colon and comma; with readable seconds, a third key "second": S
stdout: {"hour": 9, "minute": 34, "second": 18}
